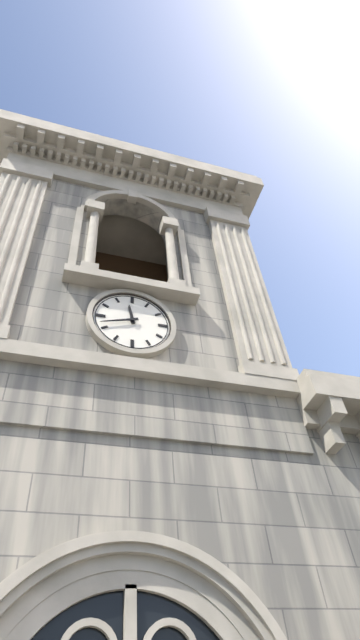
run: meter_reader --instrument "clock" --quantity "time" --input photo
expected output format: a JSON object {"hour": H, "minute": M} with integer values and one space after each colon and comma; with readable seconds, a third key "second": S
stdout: {"hour": 11, "minute": 42}
